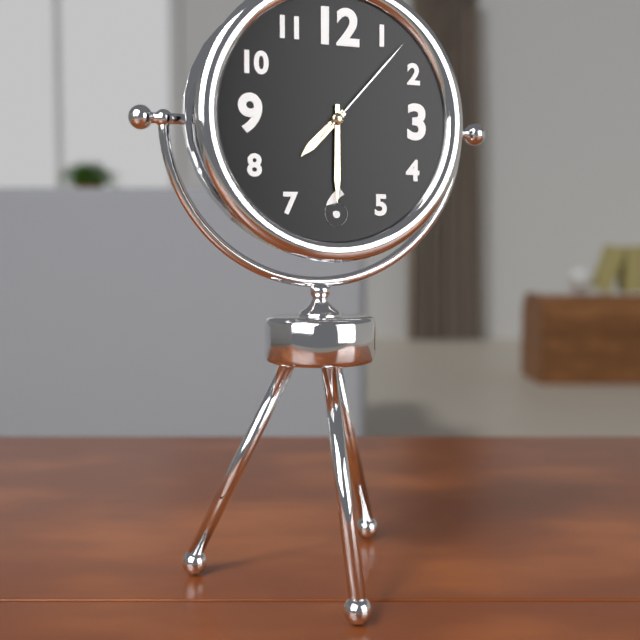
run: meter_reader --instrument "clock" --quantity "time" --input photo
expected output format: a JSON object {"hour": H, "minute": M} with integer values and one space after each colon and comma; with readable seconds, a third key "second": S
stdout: {"hour": 7, "minute": 30, "second": 7}
